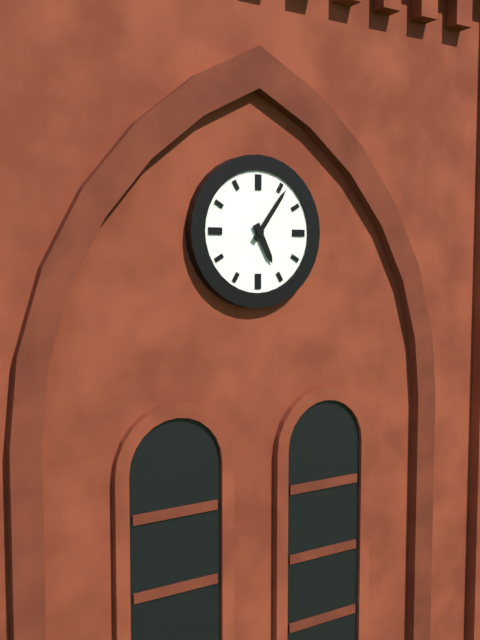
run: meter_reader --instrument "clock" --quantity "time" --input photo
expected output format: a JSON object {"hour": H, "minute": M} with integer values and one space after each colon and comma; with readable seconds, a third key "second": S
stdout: {"hour": 5, "minute": 6}
